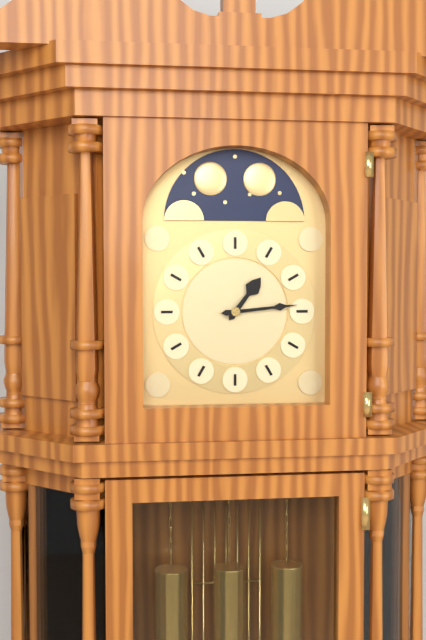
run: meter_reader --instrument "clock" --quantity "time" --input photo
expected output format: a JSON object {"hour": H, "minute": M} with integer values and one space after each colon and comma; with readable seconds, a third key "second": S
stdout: {"hour": 1, "minute": 14}
